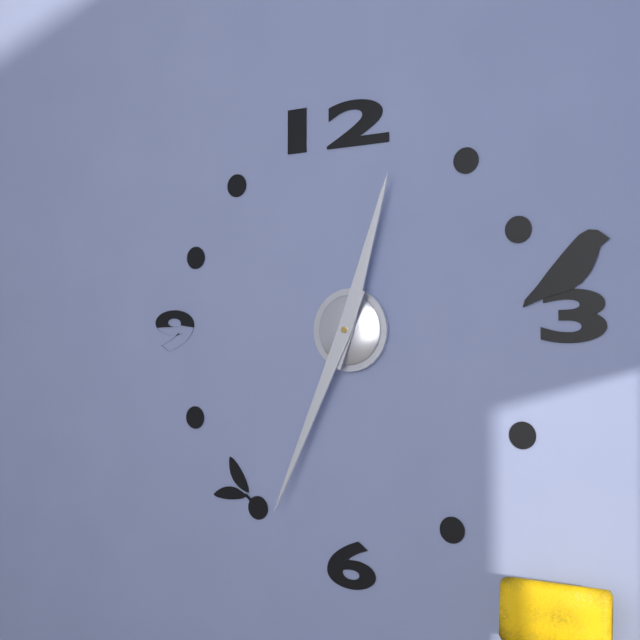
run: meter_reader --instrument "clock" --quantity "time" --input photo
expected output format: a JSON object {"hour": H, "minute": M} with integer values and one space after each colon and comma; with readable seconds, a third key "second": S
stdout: {"hour": 12, "minute": 34}
